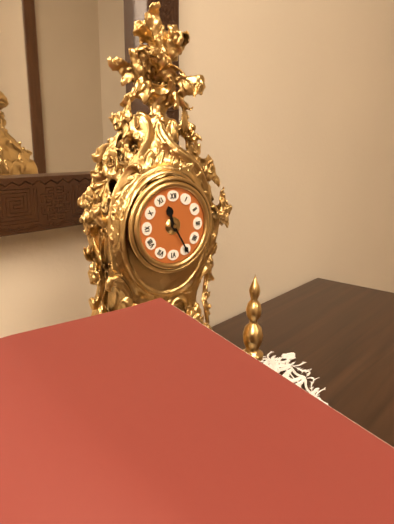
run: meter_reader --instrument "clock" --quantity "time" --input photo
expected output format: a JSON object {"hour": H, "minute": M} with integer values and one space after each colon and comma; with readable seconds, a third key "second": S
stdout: {"hour": 11, "minute": 25}
